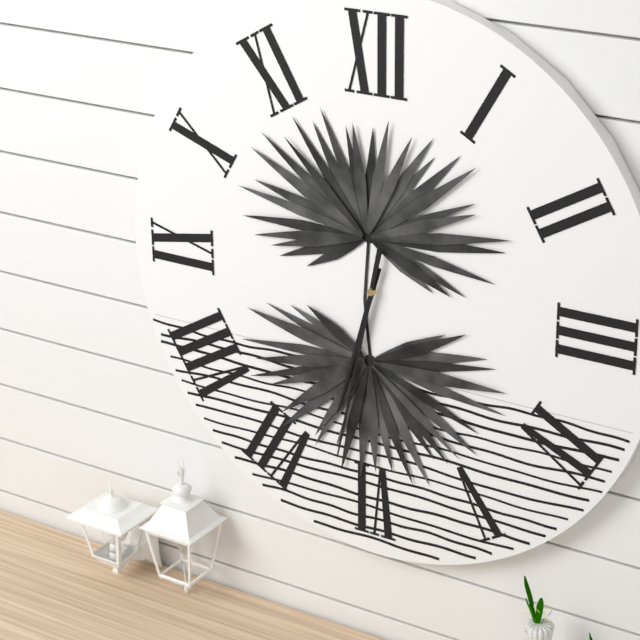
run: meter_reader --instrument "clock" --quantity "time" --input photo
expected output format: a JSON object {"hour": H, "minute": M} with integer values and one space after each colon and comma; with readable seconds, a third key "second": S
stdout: {"hour": 6, "minute": 32}
